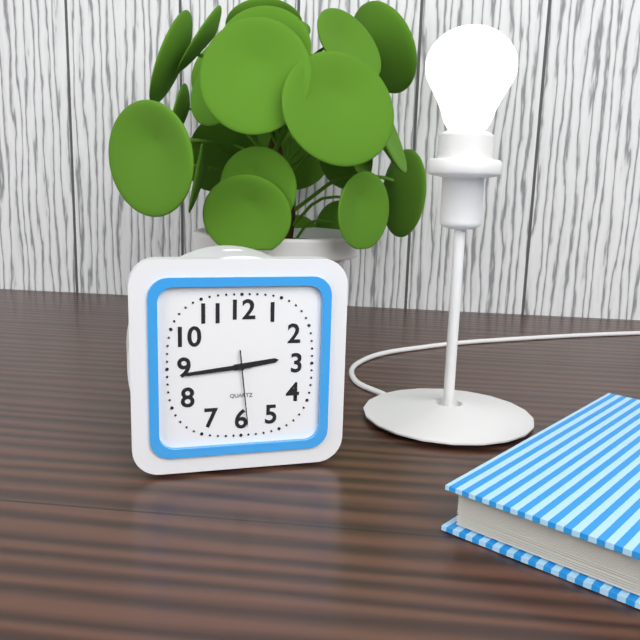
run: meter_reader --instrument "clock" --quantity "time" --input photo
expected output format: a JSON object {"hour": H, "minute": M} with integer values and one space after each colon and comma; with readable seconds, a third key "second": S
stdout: {"hour": 2, "minute": 44, "second": 29}
